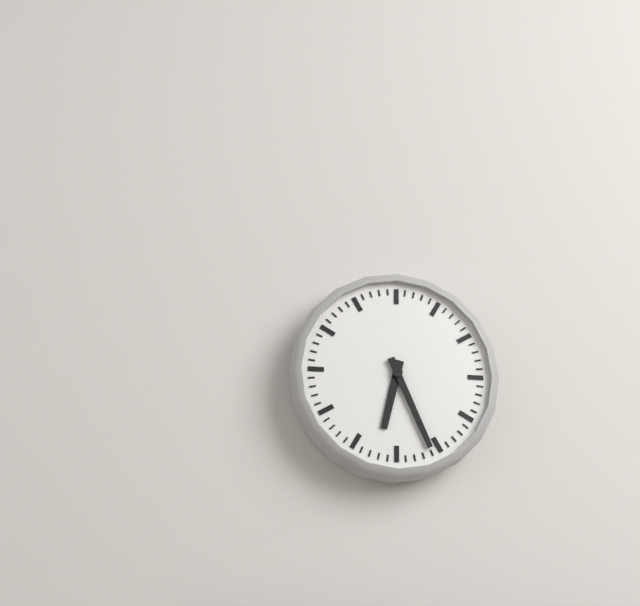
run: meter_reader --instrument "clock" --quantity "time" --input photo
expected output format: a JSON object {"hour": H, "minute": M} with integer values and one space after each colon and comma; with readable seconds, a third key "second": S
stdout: {"hour": 6, "minute": 26}
